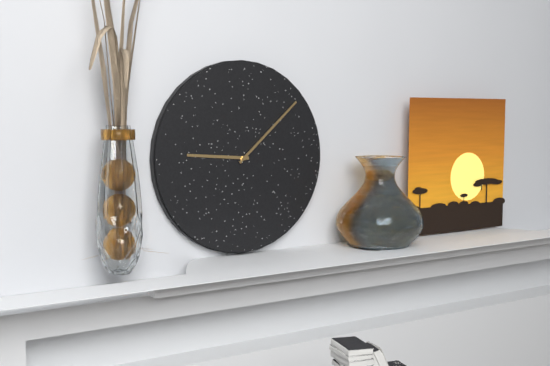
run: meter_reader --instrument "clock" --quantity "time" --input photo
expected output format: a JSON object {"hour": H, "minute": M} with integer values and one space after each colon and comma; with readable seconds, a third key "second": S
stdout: {"hour": 9, "minute": 8}
